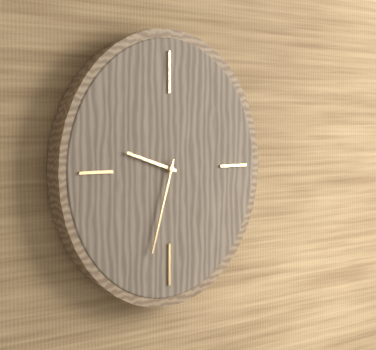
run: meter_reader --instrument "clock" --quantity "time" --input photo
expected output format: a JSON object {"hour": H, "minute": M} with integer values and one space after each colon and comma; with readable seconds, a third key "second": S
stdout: {"hour": 9, "minute": 33}
